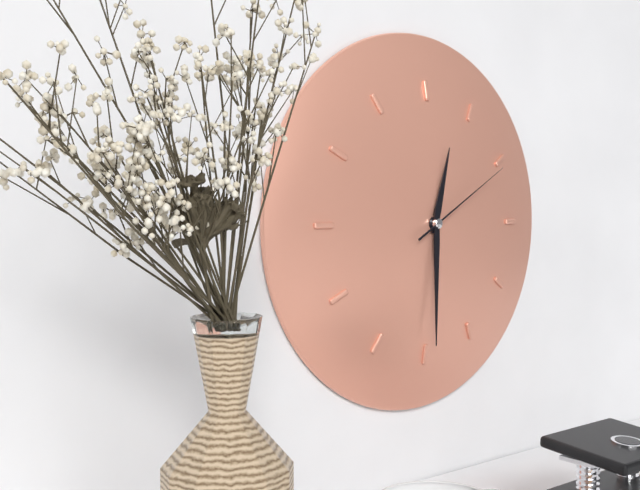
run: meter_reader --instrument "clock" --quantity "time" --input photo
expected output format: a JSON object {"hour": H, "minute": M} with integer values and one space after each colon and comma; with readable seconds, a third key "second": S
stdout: {"hour": 12, "minute": 30, "second": 10}
